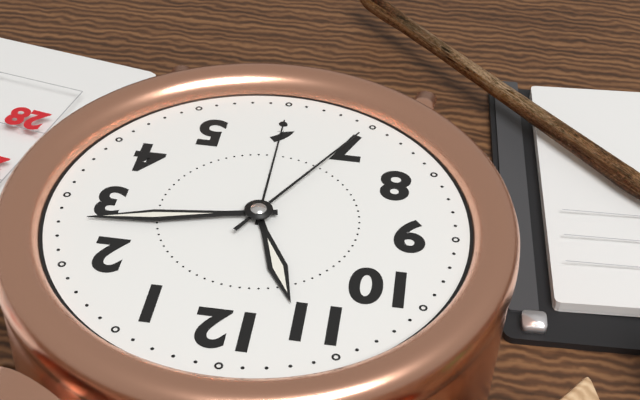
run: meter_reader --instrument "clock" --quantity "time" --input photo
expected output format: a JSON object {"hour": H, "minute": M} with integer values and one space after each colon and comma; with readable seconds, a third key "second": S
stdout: {"hour": 11, "minute": 13, "second": 35}
